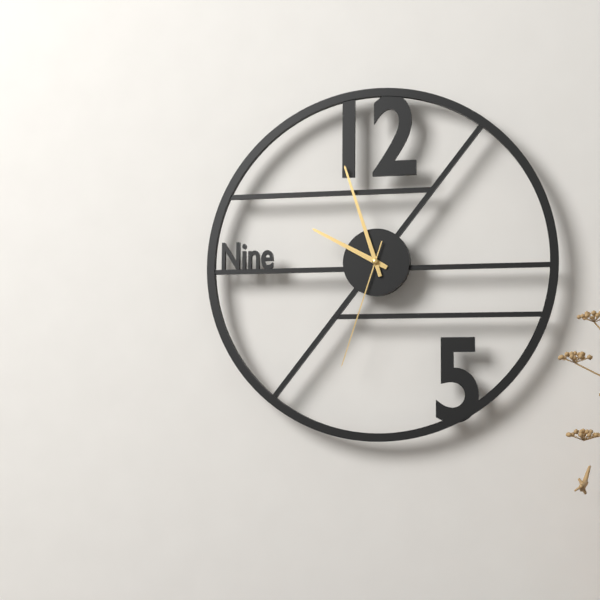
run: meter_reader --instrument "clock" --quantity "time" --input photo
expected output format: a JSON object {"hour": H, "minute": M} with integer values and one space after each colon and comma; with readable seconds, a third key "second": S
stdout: {"hour": 9, "minute": 57, "second": 33}
